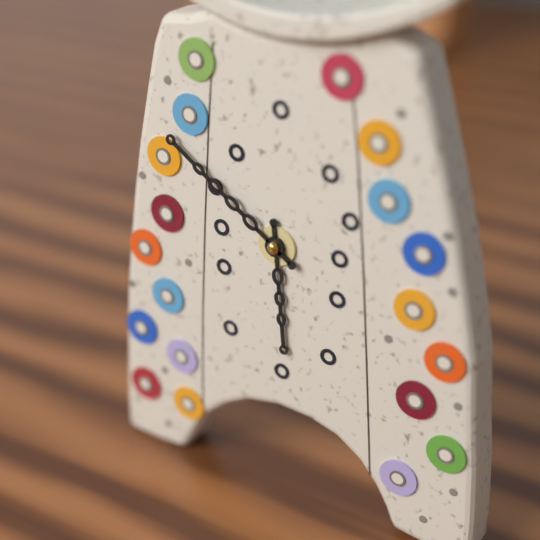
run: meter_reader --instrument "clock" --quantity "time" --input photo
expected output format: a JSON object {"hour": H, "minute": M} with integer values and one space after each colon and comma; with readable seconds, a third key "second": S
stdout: {"hour": 5, "minute": 51}
